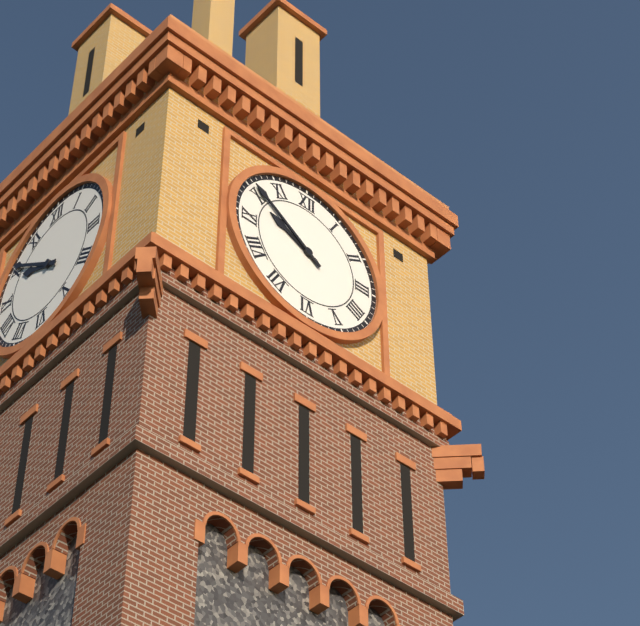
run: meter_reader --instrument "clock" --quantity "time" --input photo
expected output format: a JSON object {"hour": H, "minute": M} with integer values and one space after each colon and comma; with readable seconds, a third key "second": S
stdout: {"hour": 9, "minute": 51}
